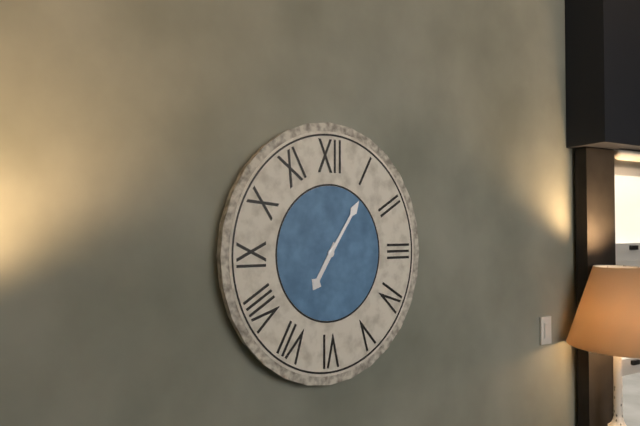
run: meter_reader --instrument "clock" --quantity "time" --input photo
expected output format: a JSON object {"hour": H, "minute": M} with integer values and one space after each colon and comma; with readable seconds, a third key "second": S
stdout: {"hour": 7, "minute": 6}
